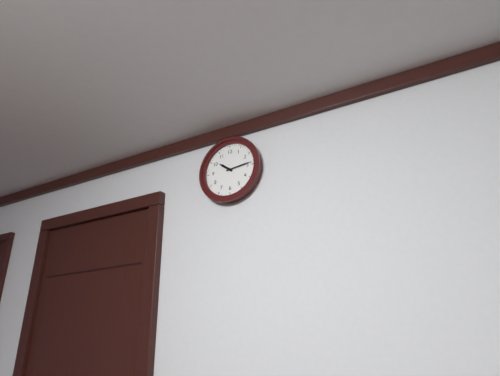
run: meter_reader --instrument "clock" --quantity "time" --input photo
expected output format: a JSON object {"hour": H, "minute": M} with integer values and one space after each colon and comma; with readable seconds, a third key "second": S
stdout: {"hour": 10, "minute": 14}
